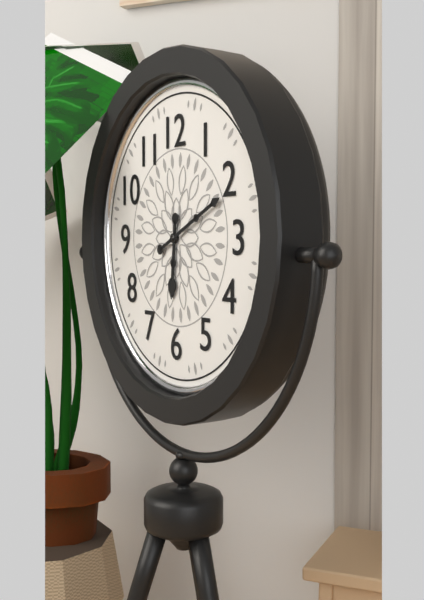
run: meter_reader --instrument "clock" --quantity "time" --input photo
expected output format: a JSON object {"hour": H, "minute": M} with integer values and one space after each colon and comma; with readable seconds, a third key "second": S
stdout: {"hour": 6, "minute": 11}
